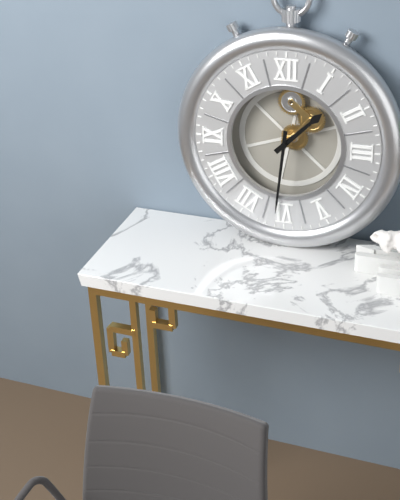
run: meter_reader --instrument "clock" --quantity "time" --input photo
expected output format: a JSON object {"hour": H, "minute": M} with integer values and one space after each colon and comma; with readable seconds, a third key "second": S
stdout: {"hour": 1, "minute": 31}
